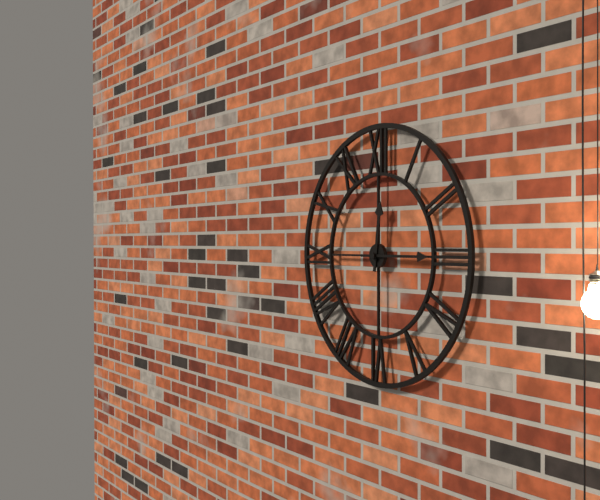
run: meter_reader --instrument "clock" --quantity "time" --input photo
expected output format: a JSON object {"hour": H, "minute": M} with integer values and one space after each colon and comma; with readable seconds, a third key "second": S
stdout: {"hour": 12, "minute": 15}
